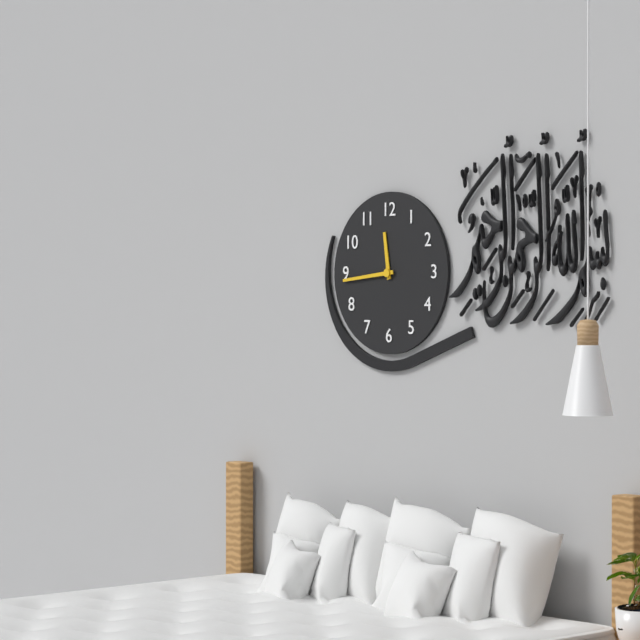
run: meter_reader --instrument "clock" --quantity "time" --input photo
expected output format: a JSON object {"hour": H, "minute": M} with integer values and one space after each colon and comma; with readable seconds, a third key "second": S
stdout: {"hour": 11, "minute": 44}
